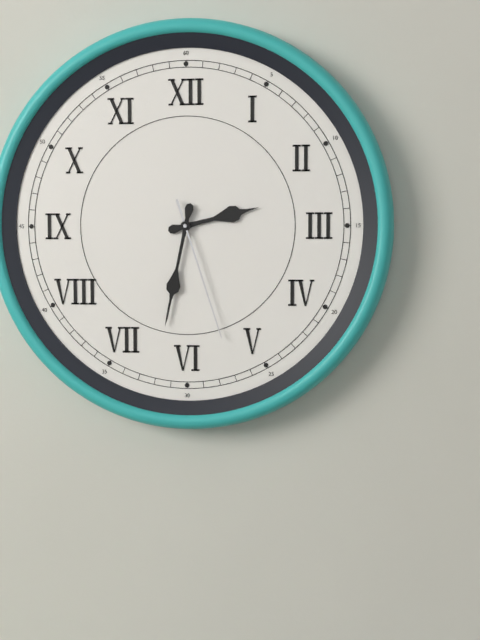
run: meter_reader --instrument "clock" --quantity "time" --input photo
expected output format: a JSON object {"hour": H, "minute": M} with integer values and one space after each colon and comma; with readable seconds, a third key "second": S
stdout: {"hour": 2, "minute": 32, "second": 27}
